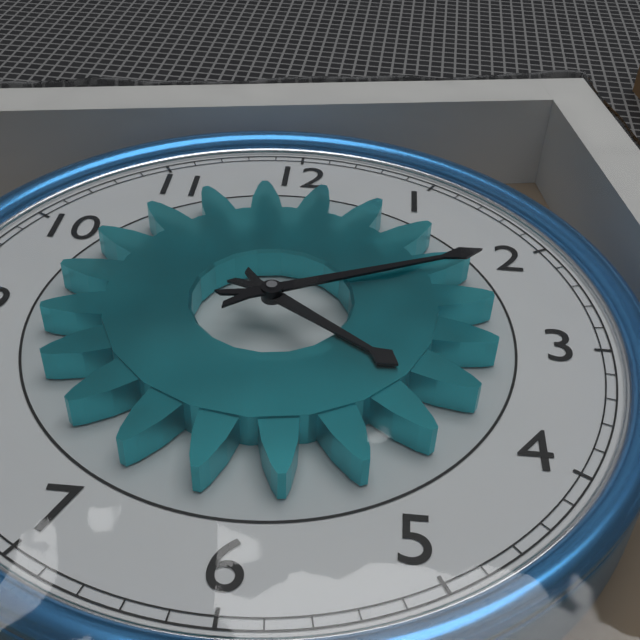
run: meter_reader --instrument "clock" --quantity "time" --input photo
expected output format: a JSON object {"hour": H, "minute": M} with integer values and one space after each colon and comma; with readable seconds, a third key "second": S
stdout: {"hour": 4, "minute": 11}
